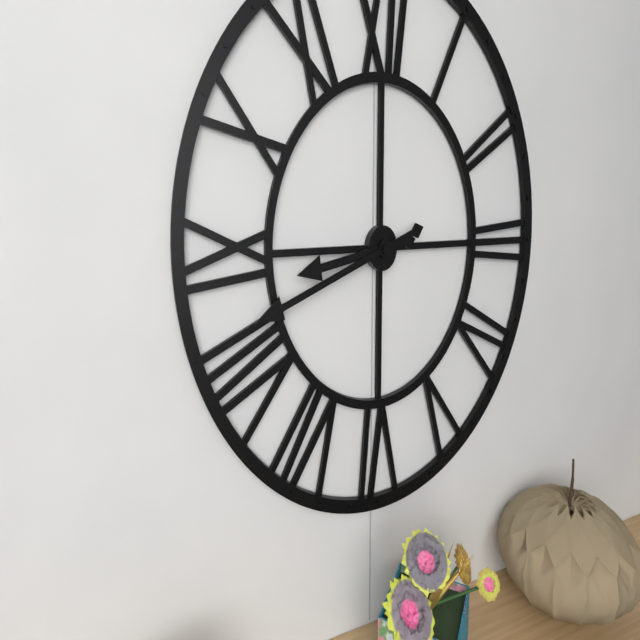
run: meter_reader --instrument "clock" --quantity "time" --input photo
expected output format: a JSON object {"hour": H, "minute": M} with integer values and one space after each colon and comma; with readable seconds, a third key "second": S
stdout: {"hour": 8, "minute": 42}
